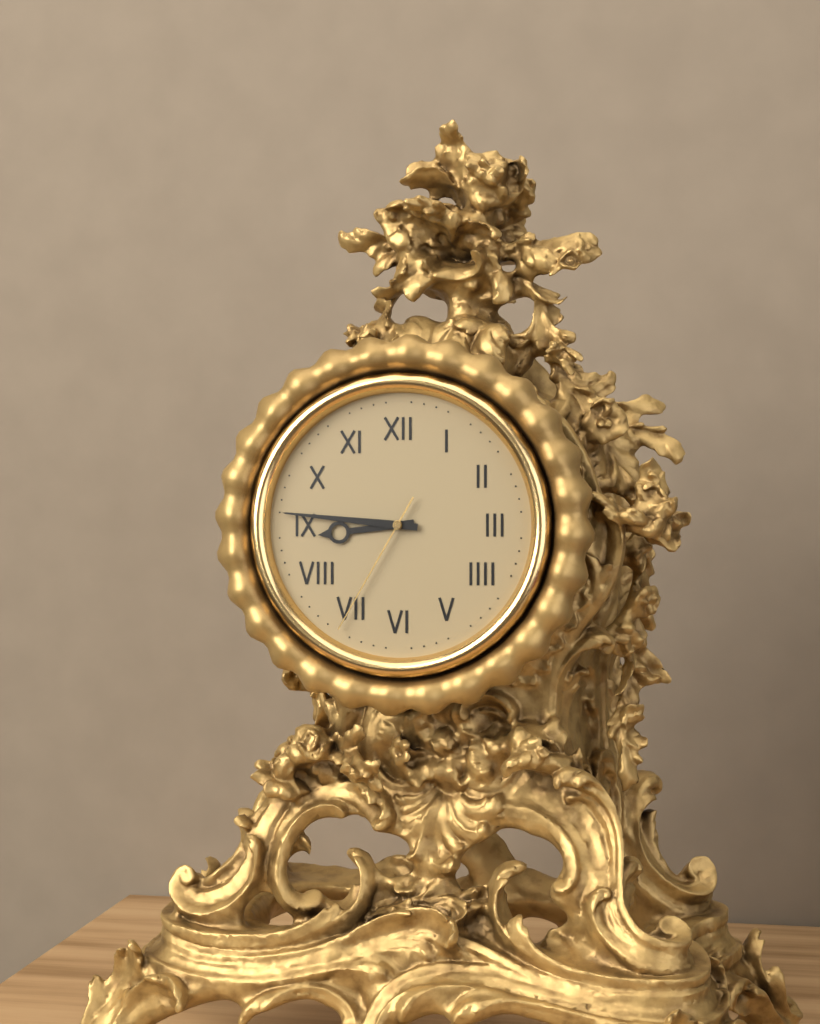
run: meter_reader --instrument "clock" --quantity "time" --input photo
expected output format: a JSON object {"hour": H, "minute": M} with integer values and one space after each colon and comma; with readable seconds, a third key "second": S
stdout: {"hour": 8, "minute": 46, "second": 35}
